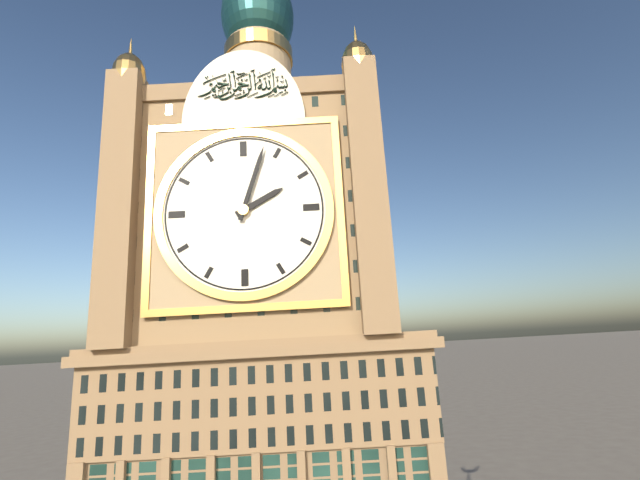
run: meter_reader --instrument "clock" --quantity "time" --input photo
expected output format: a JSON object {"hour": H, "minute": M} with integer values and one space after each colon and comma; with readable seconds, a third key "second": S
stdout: {"hour": 2, "minute": 3}
